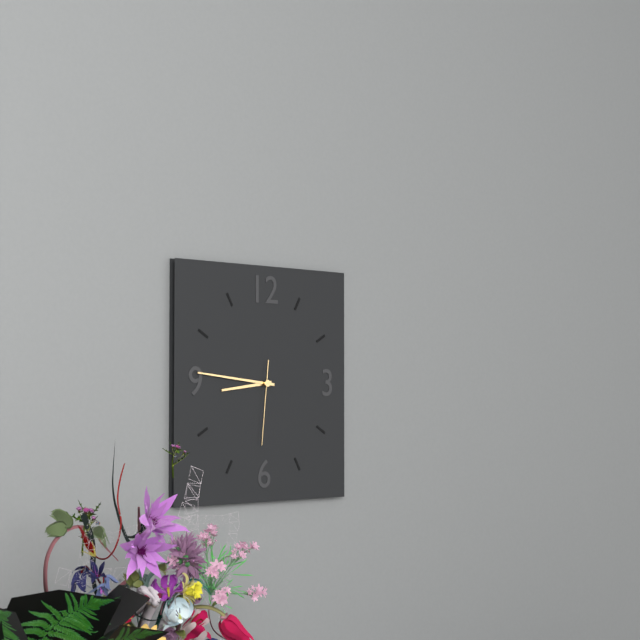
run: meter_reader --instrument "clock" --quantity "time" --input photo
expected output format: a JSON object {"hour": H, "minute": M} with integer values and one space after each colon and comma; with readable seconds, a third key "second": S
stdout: {"hour": 8, "minute": 46, "second": 31}
